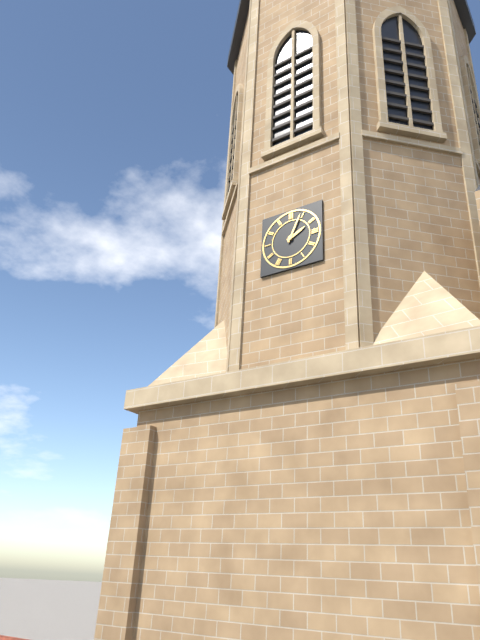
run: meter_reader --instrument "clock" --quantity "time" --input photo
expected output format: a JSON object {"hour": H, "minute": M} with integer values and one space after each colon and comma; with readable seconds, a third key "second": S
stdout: {"hour": 2, "minute": 4}
